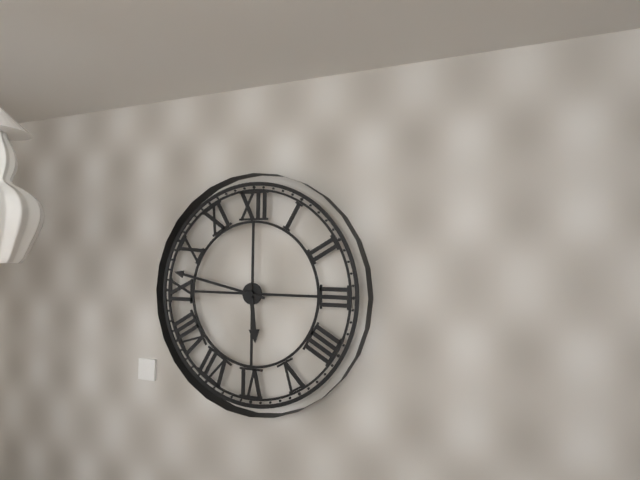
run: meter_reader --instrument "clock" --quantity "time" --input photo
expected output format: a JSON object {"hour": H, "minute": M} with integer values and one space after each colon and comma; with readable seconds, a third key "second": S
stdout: {"hour": 5, "minute": 47}
